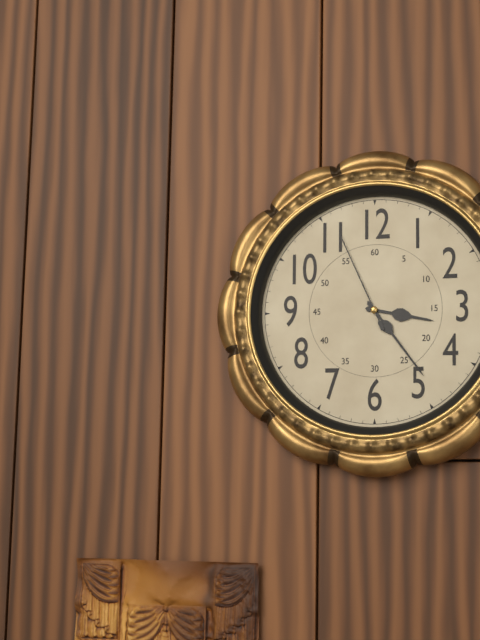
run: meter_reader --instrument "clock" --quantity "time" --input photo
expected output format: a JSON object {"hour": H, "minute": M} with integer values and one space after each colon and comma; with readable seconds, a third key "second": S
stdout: {"hour": 3, "minute": 24, "second": 56}
